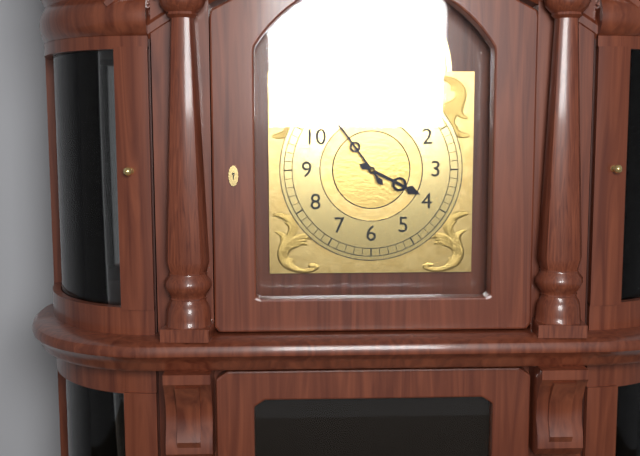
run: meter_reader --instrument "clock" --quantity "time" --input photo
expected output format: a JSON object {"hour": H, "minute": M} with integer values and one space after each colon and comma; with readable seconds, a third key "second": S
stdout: {"hour": 3, "minute": 54}
